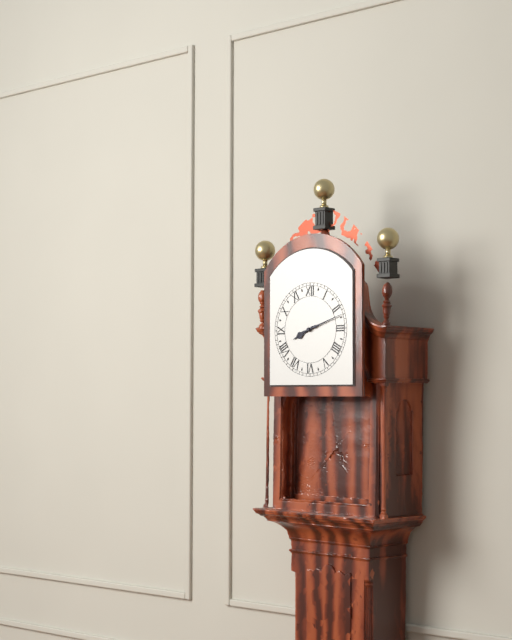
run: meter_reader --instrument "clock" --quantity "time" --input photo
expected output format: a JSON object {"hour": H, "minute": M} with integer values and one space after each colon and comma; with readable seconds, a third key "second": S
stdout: {"hour": 8, "minute": 12}
